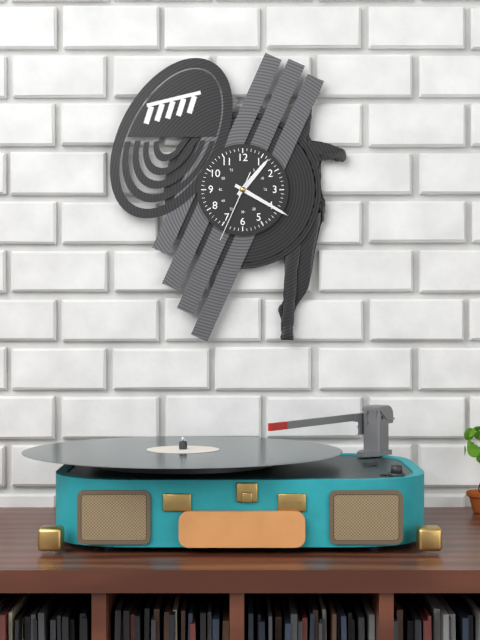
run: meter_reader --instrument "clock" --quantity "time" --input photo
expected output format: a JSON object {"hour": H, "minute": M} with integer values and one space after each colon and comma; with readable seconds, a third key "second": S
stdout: {"hour": 1, "minute": 20, "second": 34}
